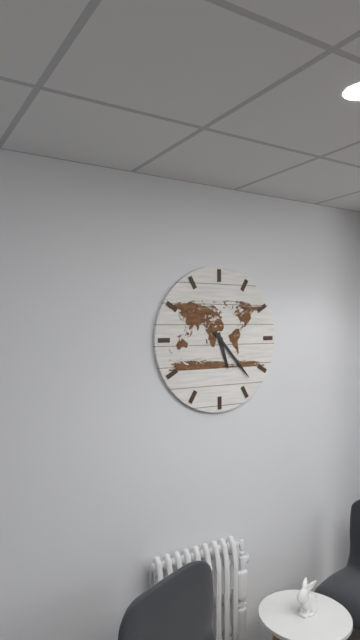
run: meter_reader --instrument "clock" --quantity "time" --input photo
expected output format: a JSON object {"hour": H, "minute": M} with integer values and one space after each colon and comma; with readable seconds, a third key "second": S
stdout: {"hour": 5, "minute": 23}
